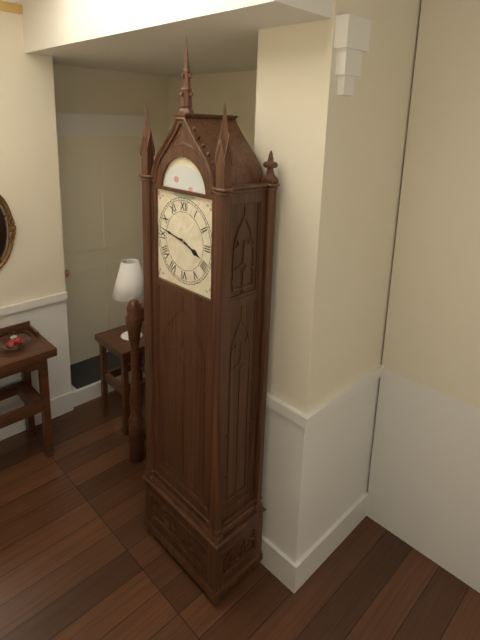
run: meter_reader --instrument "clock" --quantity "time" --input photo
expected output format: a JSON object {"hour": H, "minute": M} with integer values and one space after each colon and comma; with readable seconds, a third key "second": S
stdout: {"hour": 3, "minute": 47}
